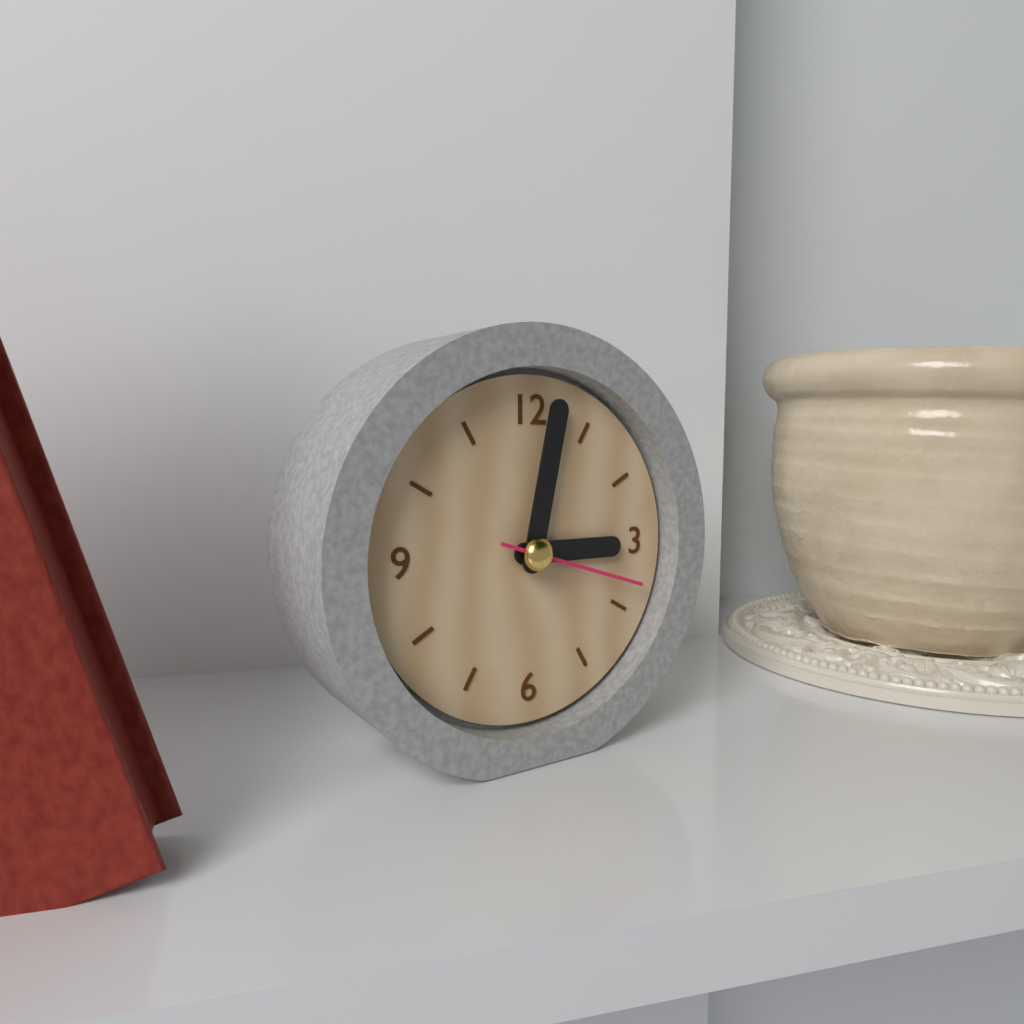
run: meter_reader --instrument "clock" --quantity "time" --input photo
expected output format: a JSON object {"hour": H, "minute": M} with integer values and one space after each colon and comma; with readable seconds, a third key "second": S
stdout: {"hour": 3, "minute": 2, "second": 18}
